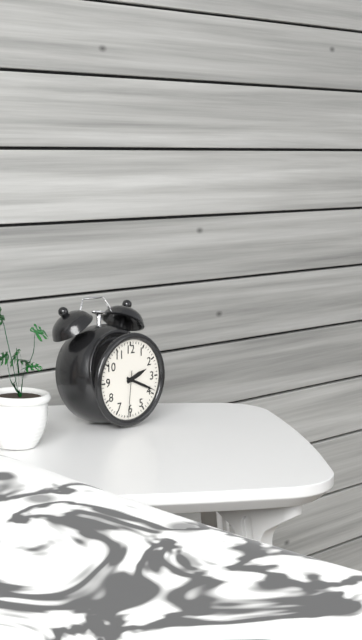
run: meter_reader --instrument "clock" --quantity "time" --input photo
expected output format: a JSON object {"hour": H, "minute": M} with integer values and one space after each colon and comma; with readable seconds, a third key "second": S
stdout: {"hour": 2, "minute": 19}
